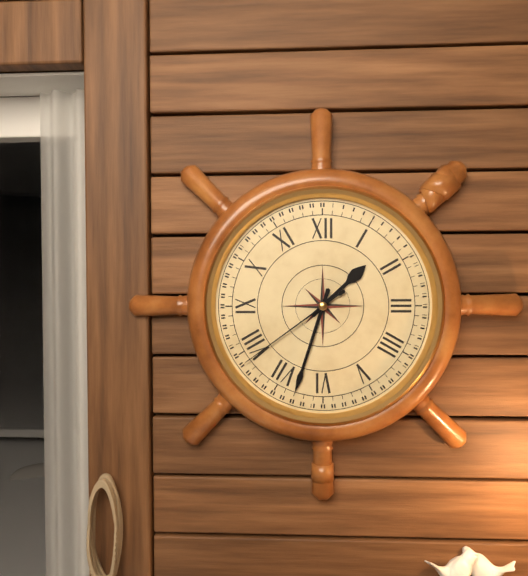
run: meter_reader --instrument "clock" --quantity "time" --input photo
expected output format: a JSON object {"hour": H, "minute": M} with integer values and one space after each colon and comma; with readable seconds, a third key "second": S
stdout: {"hour": 1, "minute": 33, "second": 39}
